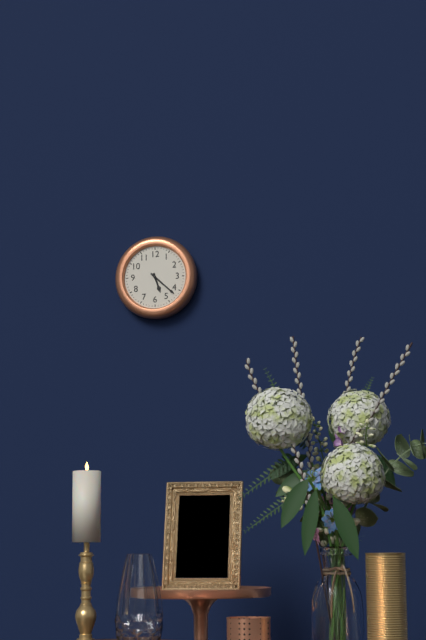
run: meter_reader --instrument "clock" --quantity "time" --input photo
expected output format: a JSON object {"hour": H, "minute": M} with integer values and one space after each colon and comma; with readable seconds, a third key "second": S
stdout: {"hour": 5, "minute": 22}
